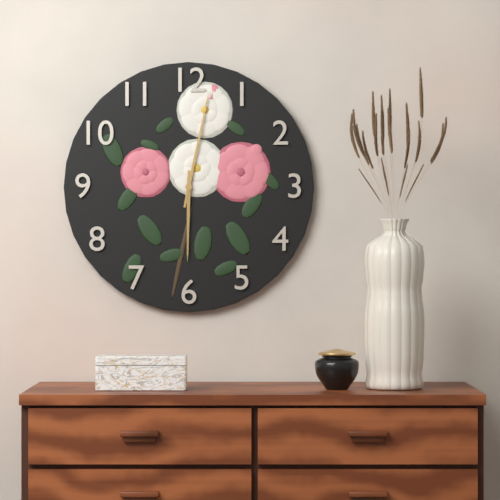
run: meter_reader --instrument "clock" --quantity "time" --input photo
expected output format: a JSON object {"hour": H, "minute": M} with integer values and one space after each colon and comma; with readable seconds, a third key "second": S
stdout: {"hour": 6, "minute": 2}
